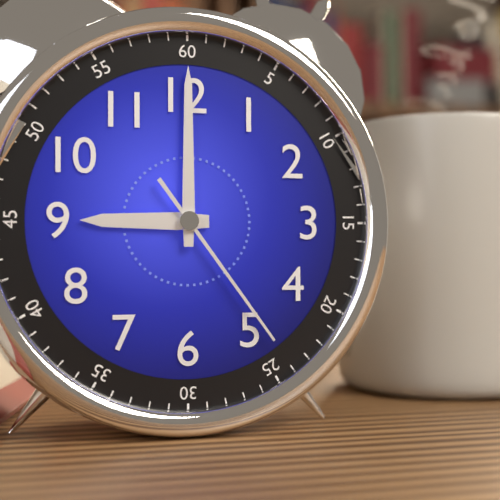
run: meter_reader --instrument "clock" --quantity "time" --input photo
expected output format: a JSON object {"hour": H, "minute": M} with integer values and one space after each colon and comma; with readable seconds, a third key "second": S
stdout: {"hour": 9, "minute": 0, "second": 24}
